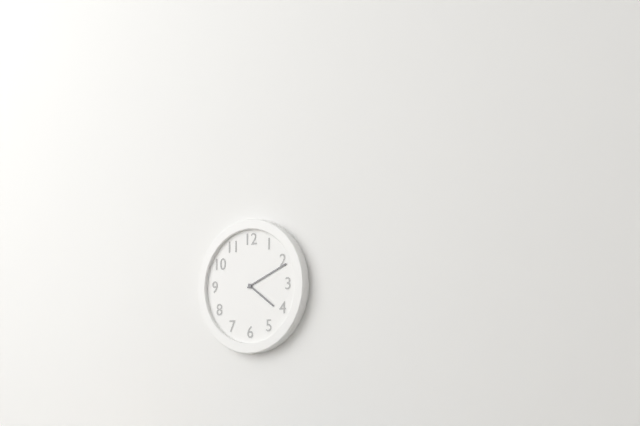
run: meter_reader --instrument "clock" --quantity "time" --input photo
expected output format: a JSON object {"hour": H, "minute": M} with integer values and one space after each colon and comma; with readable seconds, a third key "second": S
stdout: {"hour": 4, "minute": 11}
